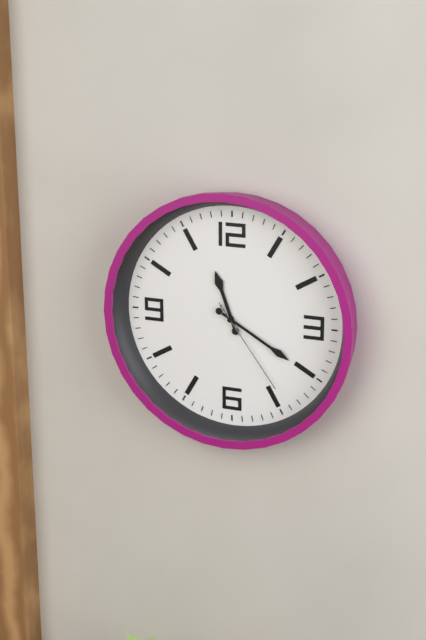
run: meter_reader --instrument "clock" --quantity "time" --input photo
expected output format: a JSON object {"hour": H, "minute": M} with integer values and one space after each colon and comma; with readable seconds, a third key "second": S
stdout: {"hour": 11, "minute": 20, "second": 24}
